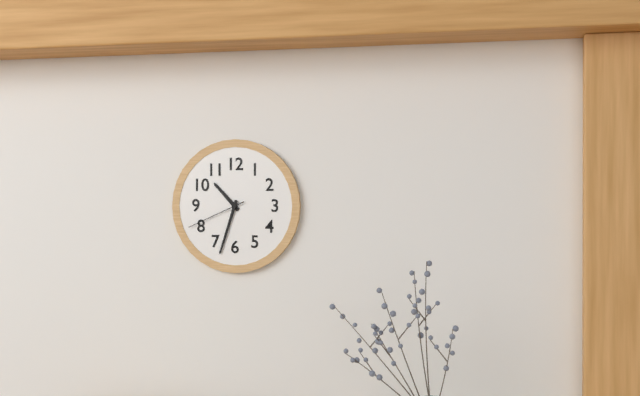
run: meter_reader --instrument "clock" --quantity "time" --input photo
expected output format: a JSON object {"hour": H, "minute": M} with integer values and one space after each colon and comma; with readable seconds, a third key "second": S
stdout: {"hour": 10, "minute": 33, "second": 41}
